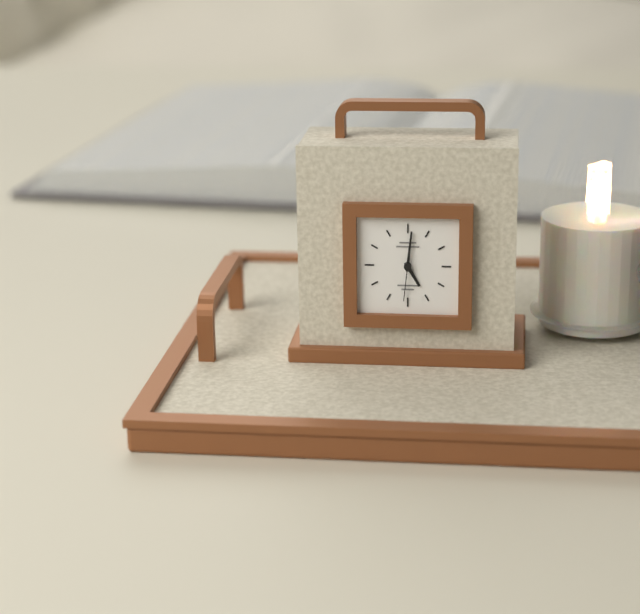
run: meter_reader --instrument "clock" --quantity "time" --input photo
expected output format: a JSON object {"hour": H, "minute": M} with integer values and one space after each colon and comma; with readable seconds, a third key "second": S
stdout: {"hour": 5, "minute": 1}
